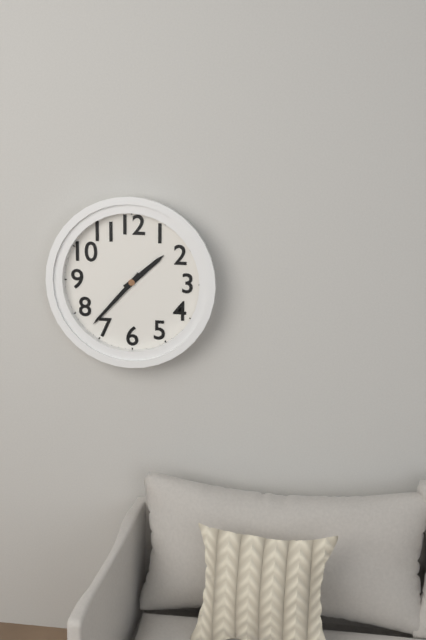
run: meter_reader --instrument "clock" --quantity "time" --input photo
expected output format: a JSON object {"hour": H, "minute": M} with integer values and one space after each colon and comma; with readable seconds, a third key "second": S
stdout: {"hour": 1, "minute": 37}
